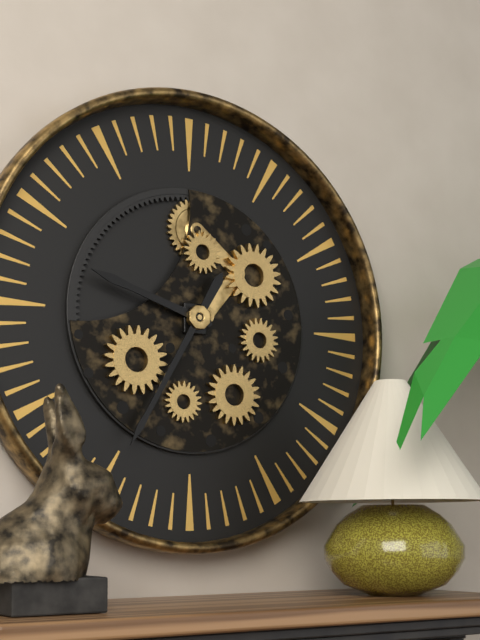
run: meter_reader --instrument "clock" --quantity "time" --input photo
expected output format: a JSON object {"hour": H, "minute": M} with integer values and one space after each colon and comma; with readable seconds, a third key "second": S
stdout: {"hour": 9, "minute": 35}
